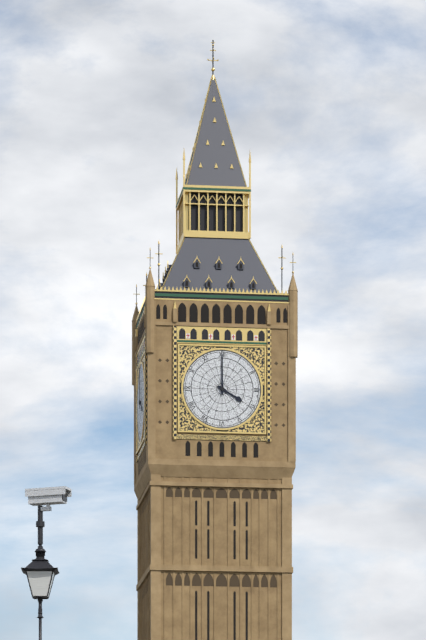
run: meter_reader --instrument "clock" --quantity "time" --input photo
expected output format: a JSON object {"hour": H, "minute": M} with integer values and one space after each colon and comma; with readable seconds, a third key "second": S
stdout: {"hour": 4, "minute": 0}
